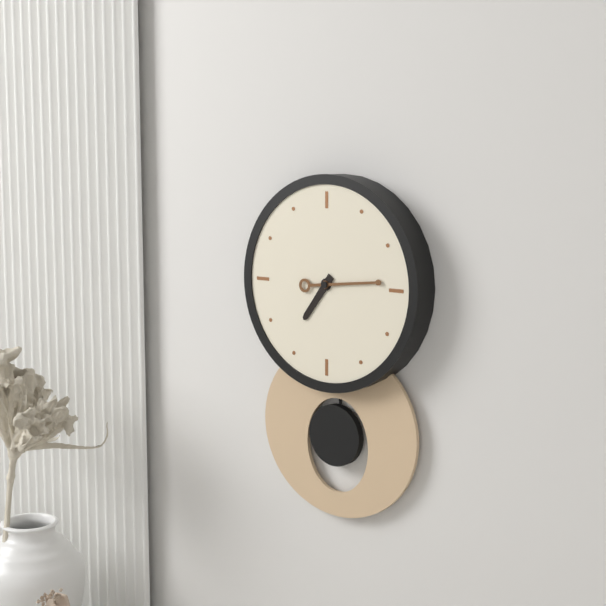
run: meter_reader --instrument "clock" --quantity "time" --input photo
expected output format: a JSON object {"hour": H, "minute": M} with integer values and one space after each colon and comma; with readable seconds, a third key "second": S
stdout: {"hour": 7, "minute": 14}
